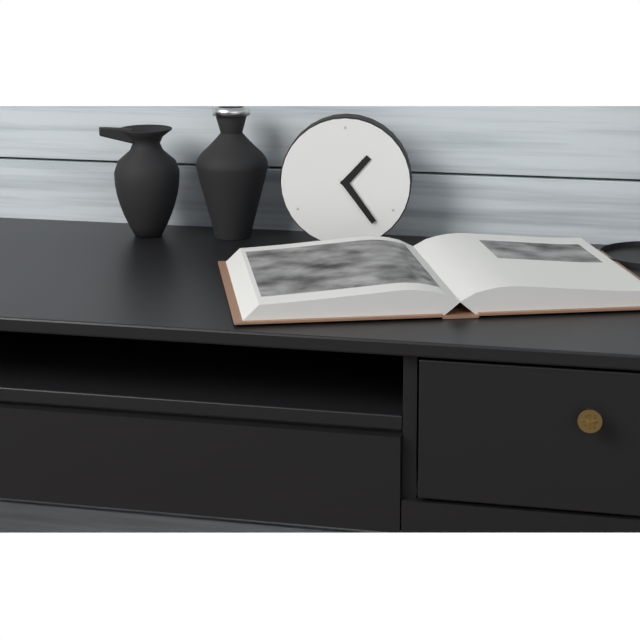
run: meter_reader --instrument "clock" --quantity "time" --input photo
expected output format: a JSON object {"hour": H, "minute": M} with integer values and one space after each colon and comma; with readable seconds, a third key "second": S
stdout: {"hour": 1, "minute": 24}
